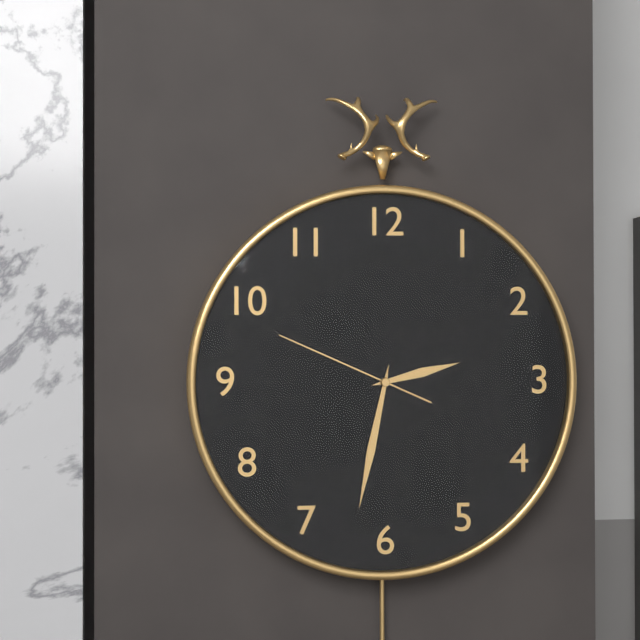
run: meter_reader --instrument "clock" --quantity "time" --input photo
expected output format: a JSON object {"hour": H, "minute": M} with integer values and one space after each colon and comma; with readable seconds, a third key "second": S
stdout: {"hour": 2, "minute": 32, "second": 49}
